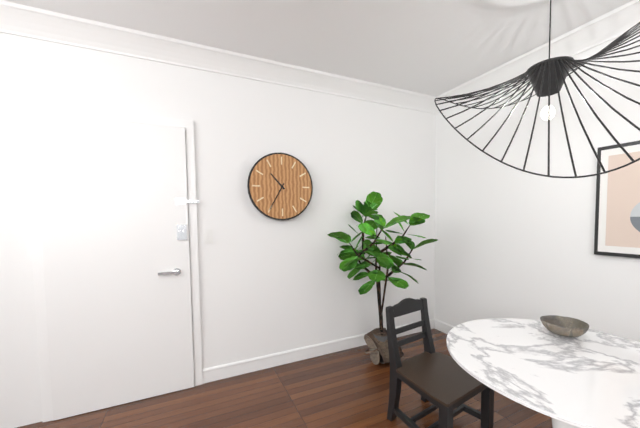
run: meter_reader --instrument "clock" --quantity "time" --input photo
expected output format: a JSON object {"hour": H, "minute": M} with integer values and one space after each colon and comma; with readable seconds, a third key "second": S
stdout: {"hour": 10, "minute": 35}
